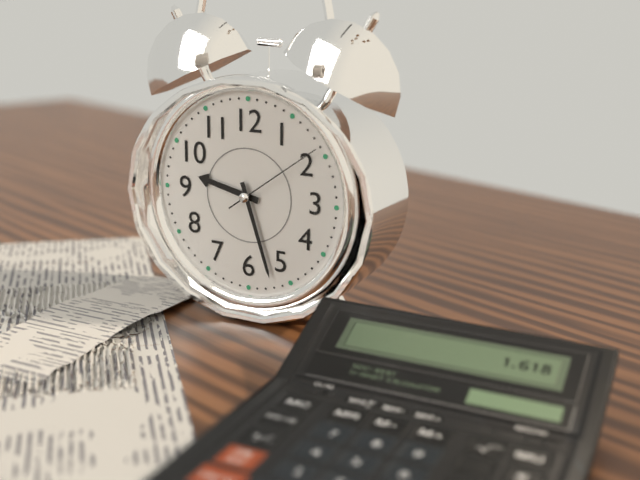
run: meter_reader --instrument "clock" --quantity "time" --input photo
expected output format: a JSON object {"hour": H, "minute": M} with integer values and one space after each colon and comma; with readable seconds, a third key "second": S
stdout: {"hour": 9, "minute": 27, "second": 9}
